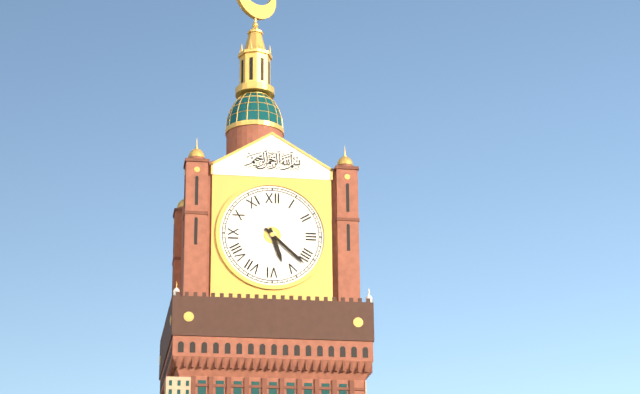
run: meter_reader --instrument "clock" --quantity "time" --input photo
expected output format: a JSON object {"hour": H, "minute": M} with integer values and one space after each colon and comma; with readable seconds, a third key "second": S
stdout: {"hour": 5, "minute": 22}
